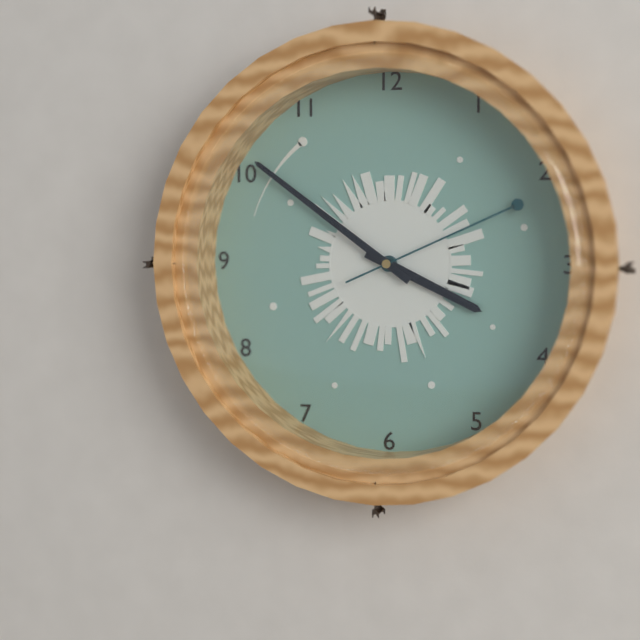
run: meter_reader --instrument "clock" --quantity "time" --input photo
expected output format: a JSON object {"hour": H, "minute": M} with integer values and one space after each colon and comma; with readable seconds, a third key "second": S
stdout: {"hour": 3, "minute": 51, "second": 11}
